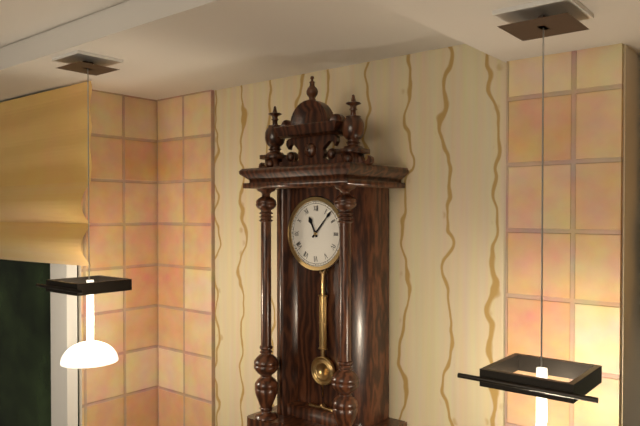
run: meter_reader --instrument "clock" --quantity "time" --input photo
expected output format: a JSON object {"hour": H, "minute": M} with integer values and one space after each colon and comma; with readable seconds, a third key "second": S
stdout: {"hour": 11, "minute": 7}
